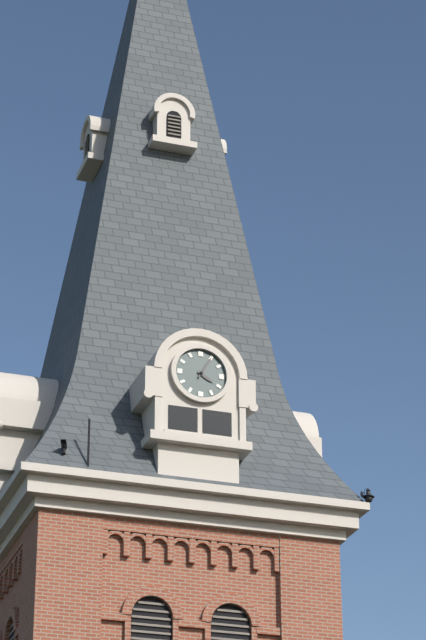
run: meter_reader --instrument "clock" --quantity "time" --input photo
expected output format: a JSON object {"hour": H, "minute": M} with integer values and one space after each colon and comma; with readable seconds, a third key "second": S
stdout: {"hour": 4, "minute": 5}
